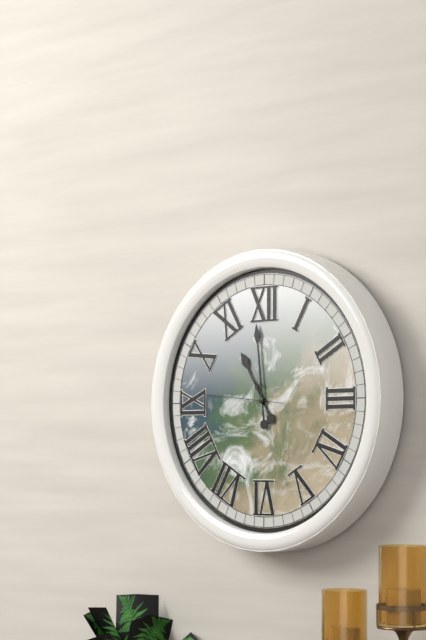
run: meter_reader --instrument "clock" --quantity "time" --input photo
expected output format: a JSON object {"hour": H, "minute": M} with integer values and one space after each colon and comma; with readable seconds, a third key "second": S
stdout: {"hour": 10, "minute": 59, "second": 46}
